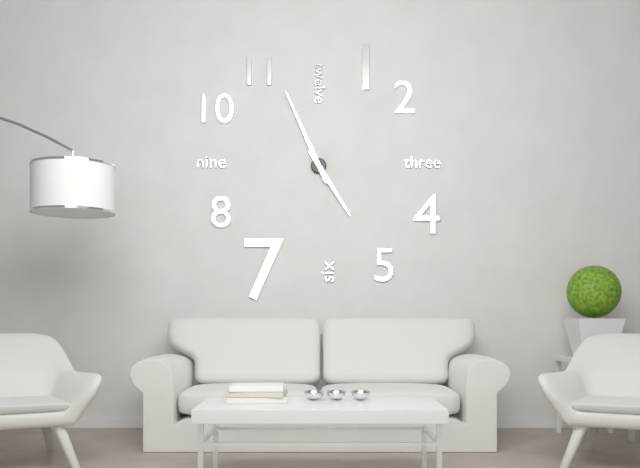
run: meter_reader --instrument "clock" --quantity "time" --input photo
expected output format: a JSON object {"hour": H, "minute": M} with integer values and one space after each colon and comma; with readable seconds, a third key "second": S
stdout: {"hour": 4, "minute": 56}
